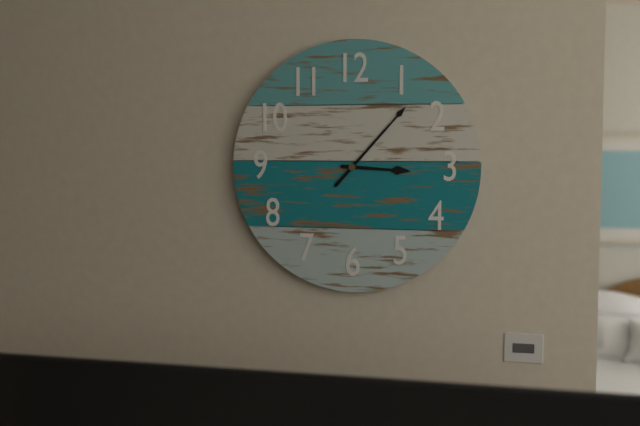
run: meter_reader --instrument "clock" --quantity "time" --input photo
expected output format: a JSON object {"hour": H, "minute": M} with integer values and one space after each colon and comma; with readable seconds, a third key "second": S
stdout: {"hour": 3, "minute": 7}
